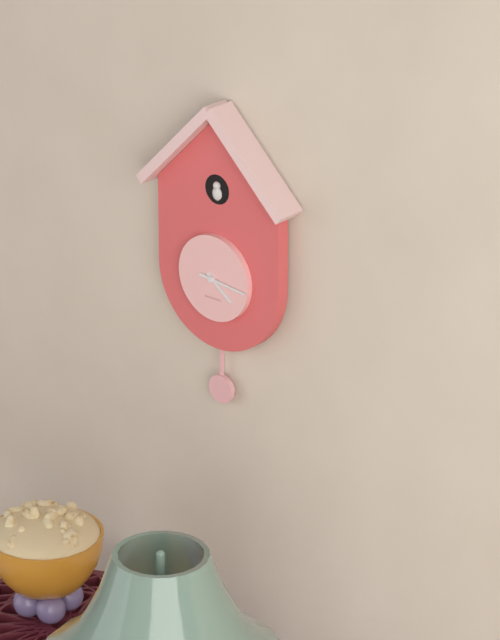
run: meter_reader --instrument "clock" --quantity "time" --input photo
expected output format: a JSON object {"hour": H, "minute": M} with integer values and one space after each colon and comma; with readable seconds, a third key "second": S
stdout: {"hour": 4, "minute": 16}
